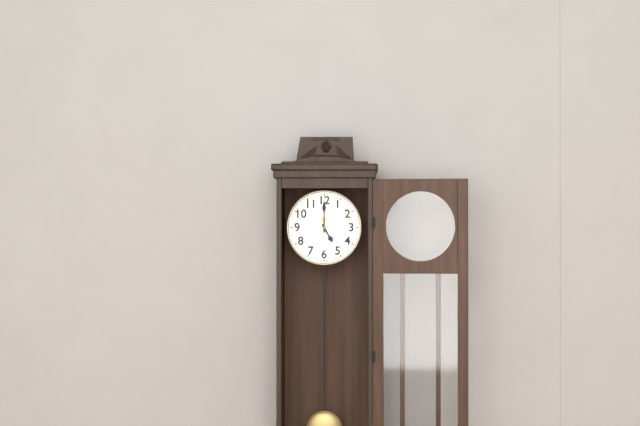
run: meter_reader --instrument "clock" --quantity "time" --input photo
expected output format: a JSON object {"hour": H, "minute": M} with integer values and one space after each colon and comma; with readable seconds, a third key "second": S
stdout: {"hour": 5, "minute": 0}
